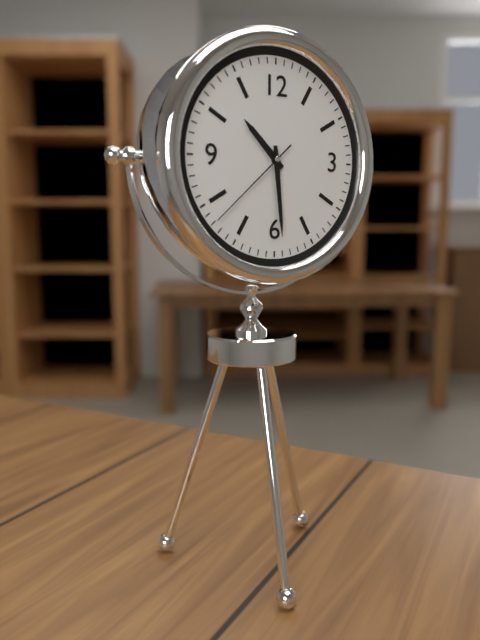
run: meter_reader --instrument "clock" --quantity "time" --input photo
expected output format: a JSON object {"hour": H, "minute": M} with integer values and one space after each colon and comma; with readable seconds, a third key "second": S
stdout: {"hour": 10, "minute": 29, "second": 38}
